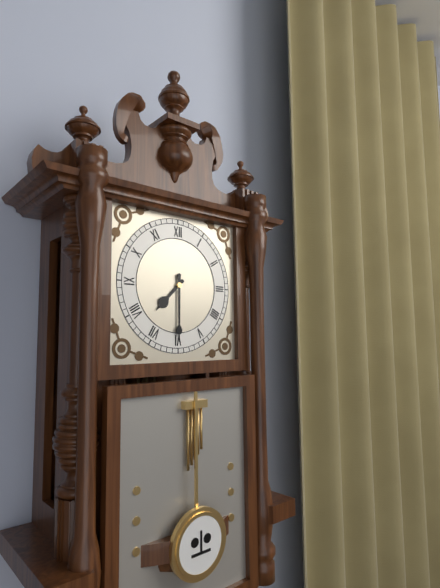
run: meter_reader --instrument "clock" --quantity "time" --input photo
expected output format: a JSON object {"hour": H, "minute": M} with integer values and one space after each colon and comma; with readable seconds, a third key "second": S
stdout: {"hour": 7, "minute": 30}
